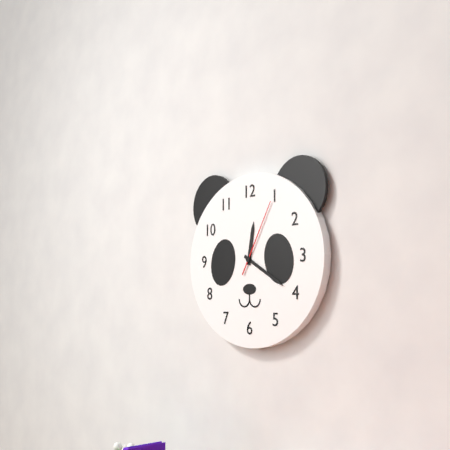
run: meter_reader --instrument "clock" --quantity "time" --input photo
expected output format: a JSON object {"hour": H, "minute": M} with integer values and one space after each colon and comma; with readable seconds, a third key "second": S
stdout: {"hour": 12, "minute": 20, "second": 5}
